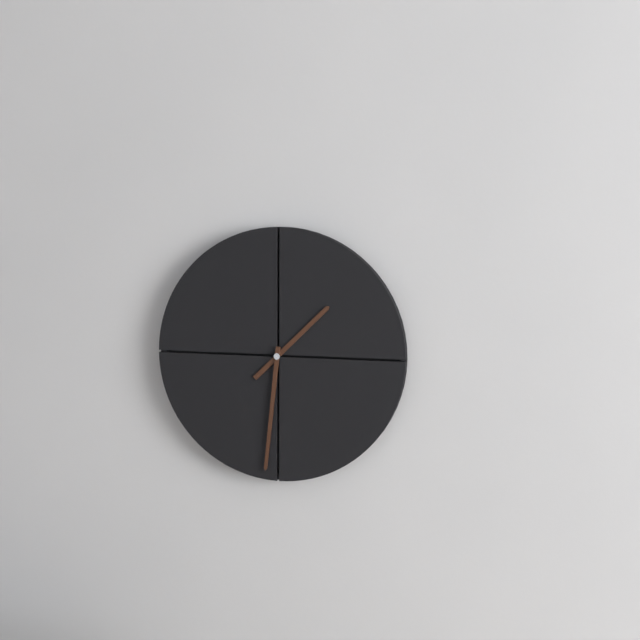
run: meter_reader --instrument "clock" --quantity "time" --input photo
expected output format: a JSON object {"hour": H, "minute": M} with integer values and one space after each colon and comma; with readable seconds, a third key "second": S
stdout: {"hour": 1, "minute": 31}
